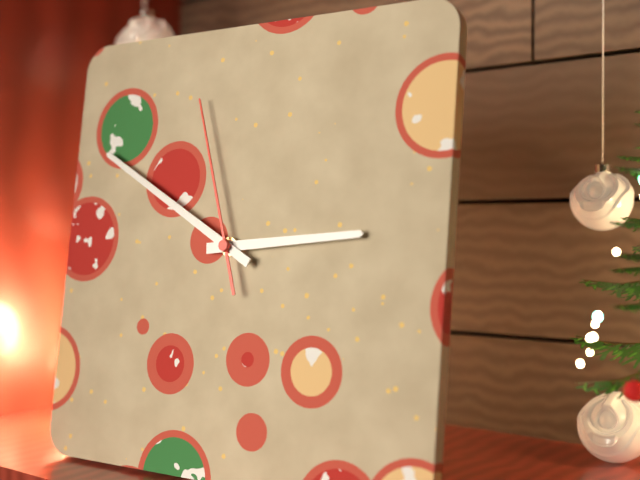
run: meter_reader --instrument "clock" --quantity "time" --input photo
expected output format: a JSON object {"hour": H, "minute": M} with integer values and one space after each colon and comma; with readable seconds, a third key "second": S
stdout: {"hour": 2, "minute": 50, "second": 57}
